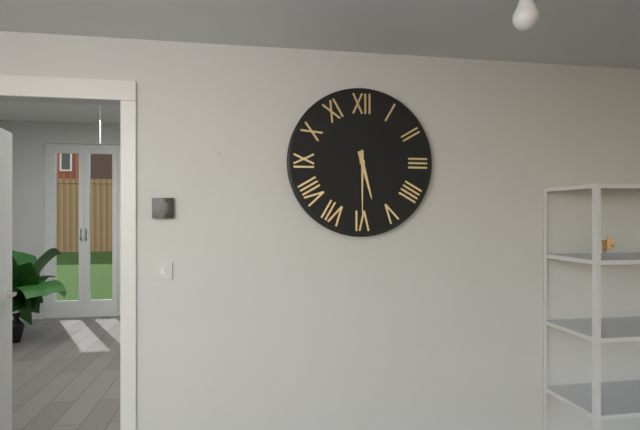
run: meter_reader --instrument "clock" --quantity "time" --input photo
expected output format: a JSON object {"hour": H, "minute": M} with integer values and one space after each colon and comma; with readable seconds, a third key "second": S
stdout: {"hour": 5, "minute": 30}
